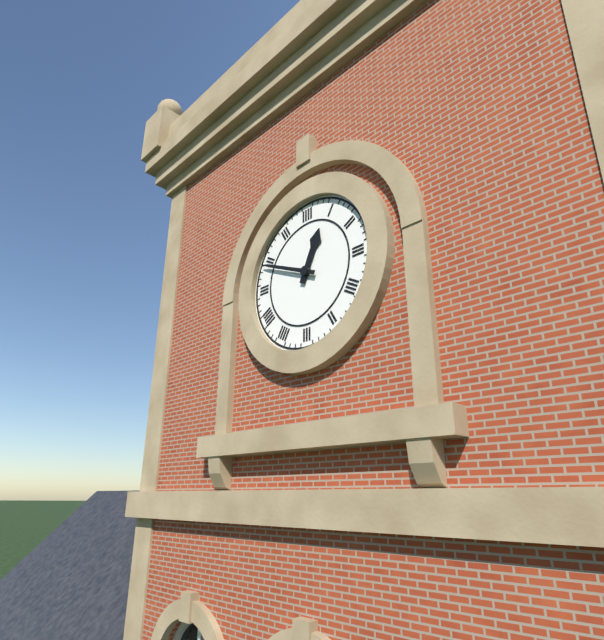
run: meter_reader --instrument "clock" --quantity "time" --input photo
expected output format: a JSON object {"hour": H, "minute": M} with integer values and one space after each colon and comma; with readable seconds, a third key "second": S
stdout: {"hour": 12, "minute": 49}
